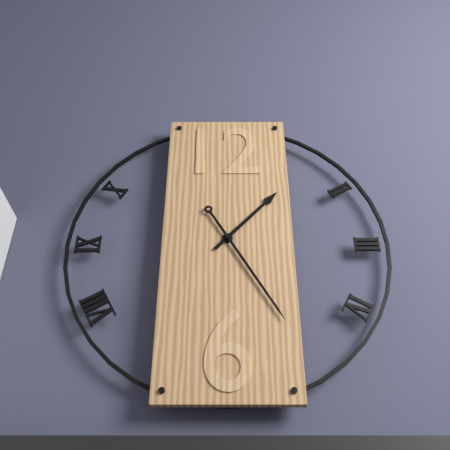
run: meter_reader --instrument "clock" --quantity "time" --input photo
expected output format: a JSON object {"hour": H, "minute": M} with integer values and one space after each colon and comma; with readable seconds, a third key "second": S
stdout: {"hour": 1, "minute": 25}
